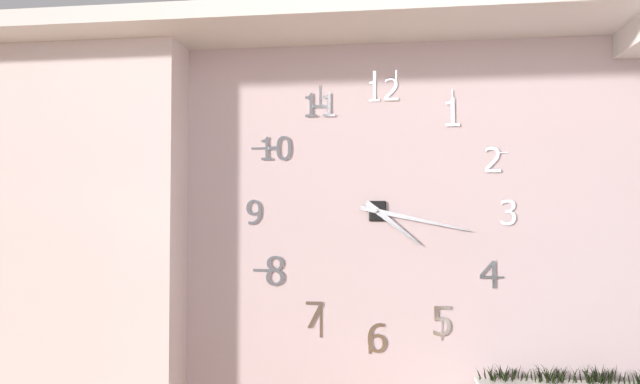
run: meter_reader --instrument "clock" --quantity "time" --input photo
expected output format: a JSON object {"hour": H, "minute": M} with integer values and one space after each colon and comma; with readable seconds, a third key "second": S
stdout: {"hour": 4, "minute": 17}
